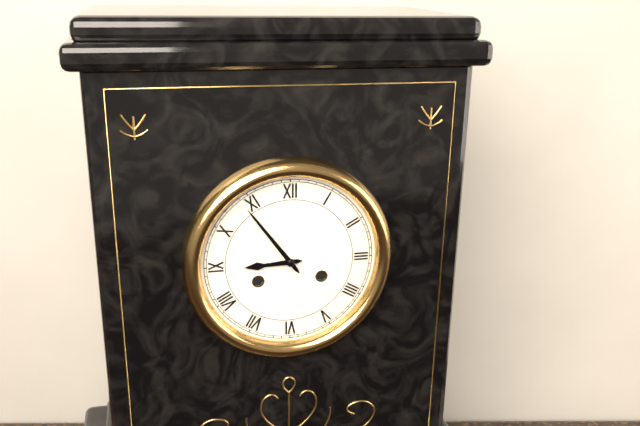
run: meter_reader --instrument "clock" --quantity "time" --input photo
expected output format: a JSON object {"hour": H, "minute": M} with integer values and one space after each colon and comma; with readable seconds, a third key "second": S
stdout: {"hour": 8, "minute": 54}
